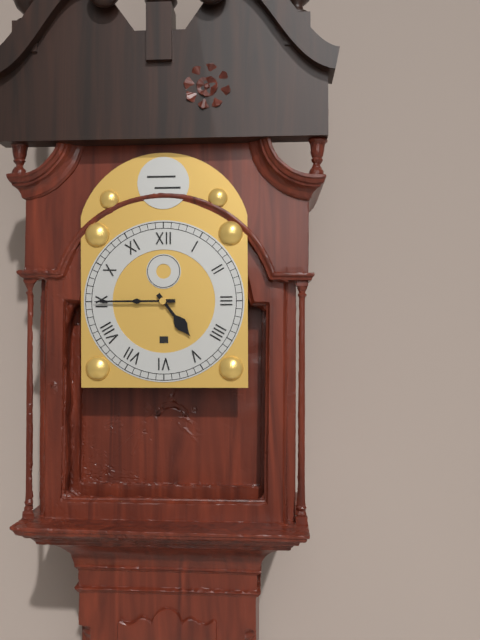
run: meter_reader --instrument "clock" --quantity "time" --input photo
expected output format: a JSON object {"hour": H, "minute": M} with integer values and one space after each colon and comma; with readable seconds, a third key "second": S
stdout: {"hour": 4, "minute": 45}
